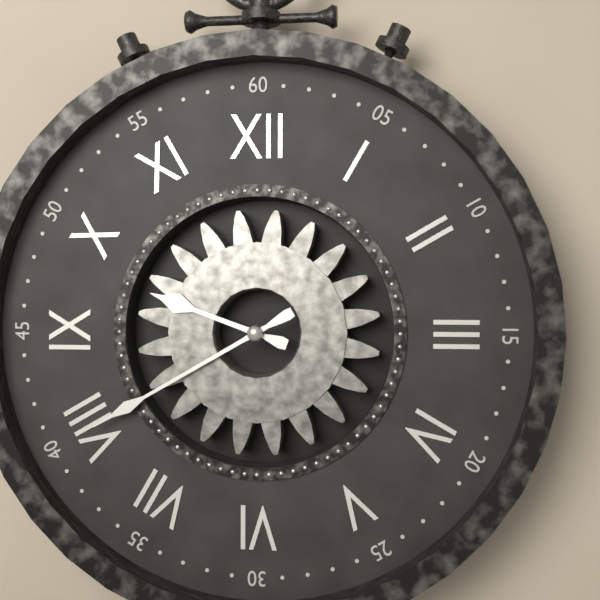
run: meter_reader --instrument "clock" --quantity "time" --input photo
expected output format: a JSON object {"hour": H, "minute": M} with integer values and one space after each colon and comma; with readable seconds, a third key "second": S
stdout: {"hour": 9, "minute": 40}
